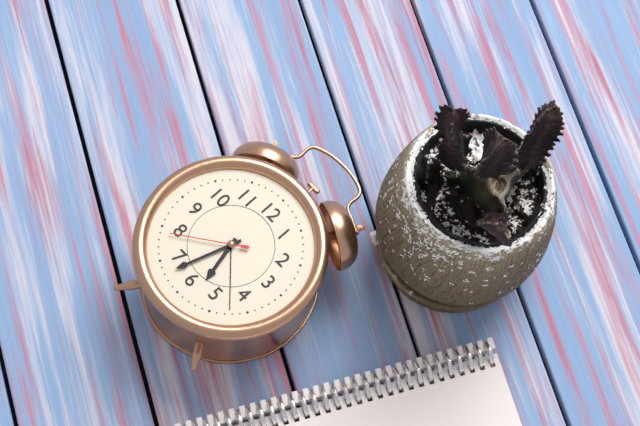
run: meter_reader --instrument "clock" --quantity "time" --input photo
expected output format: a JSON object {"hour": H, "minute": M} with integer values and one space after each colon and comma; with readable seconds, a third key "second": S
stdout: {"hour": 5, "minute": 33, "second": 39}
